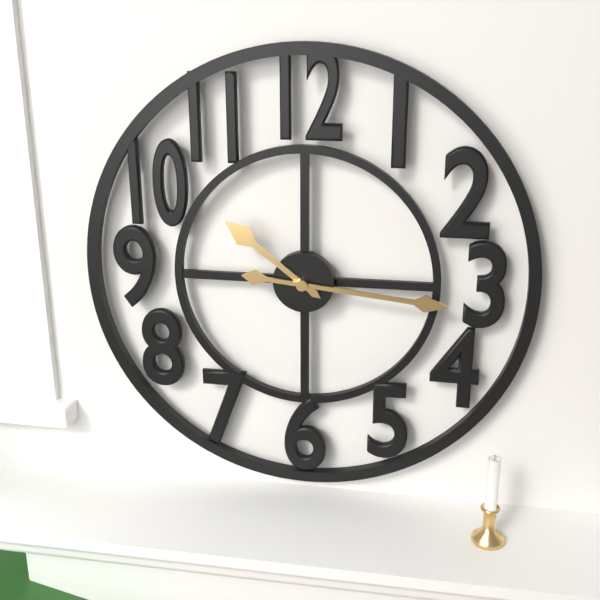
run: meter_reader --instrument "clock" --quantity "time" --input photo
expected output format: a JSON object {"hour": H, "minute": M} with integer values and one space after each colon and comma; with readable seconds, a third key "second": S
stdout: {"hour": 10, "minute": 16}
